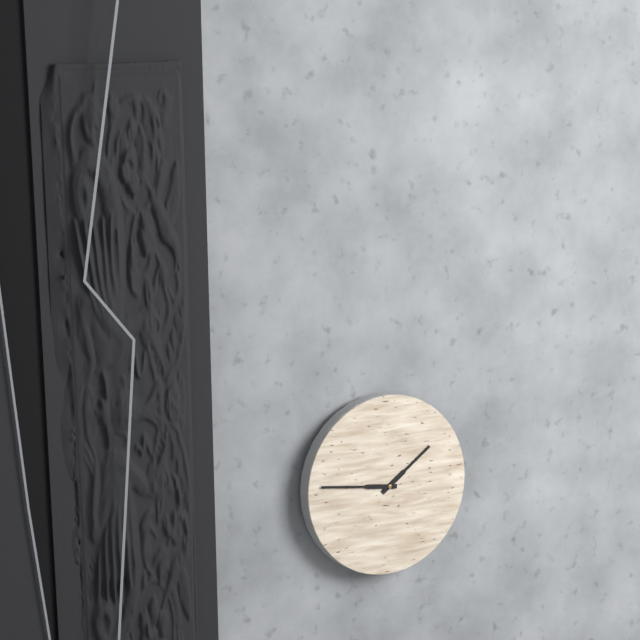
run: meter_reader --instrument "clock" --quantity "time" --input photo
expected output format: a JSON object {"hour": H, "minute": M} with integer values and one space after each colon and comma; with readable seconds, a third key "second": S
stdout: {"hour": 1, "minute": 46}
